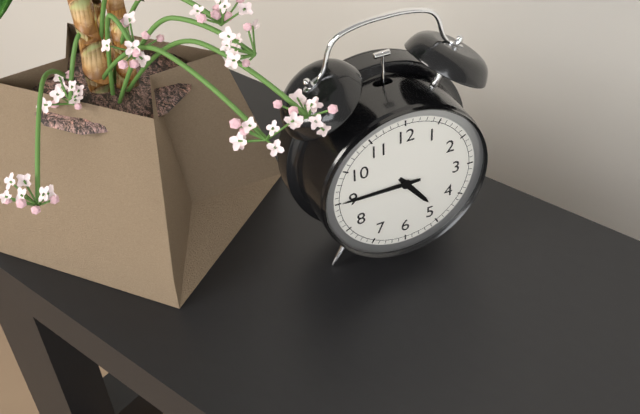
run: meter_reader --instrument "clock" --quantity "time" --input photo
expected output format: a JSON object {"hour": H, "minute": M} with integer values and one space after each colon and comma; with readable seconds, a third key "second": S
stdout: {"hour": 4, "minute": 45}
